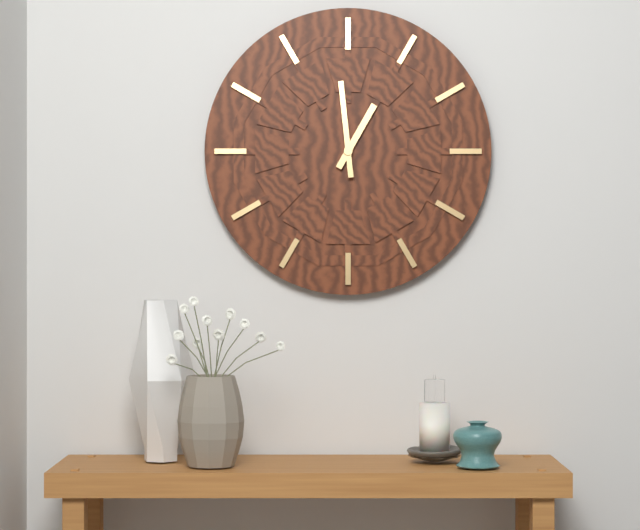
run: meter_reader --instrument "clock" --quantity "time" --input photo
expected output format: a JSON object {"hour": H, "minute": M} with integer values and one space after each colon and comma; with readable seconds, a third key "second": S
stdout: {"hour": 12, "minute": 59}
